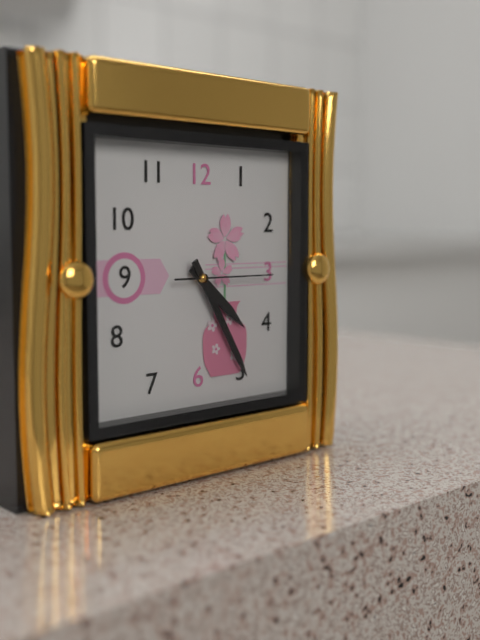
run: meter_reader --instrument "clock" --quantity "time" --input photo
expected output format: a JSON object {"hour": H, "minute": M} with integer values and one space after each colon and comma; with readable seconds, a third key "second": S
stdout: {"hour": 4, "minute": 25, "second": 15}
